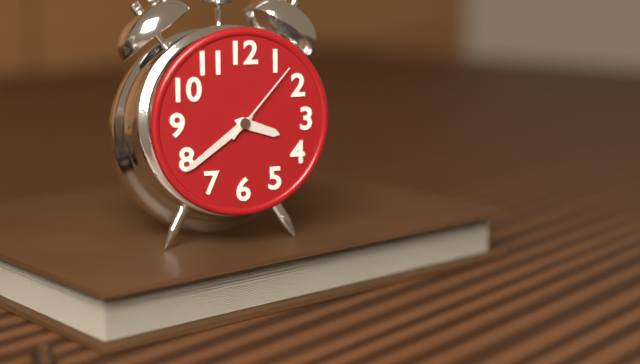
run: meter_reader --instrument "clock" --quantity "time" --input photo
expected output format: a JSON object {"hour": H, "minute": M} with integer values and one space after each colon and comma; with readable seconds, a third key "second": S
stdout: {"hour": 3, "minute": 39, "second": 7}
